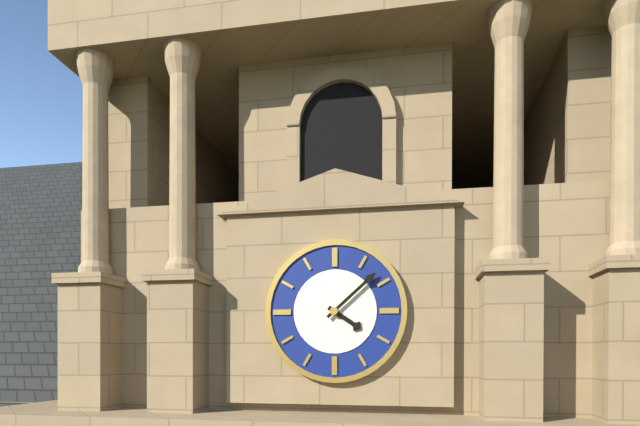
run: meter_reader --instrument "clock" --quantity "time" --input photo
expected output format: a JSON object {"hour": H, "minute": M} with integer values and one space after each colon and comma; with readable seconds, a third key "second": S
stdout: {"hour": 4, "minute": 8}
